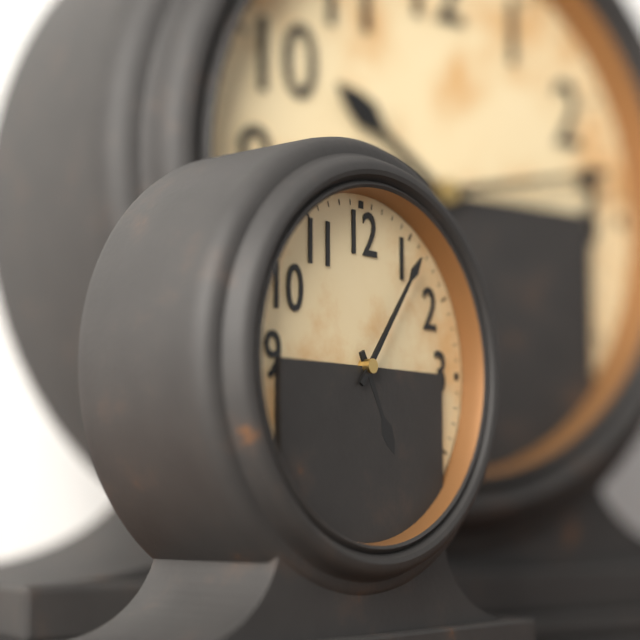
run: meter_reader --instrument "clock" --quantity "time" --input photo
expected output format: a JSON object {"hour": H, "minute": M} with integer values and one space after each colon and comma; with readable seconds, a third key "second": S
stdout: {"hour": 5, "minute": 6}
